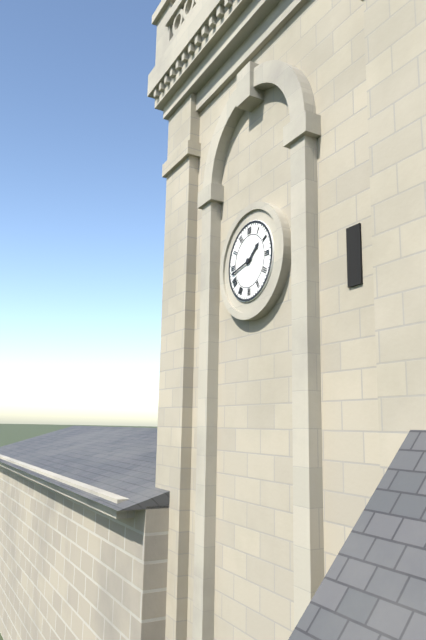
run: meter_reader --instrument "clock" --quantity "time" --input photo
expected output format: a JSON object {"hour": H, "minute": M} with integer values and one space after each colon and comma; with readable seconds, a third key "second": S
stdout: {"hour": 1, "minute": 43}
